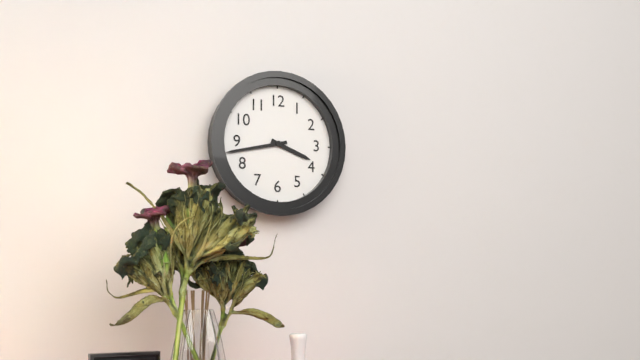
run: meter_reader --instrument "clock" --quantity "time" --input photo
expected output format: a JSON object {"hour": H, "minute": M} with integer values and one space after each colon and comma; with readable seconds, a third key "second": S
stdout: {"hour": 3, "minute": 43}
